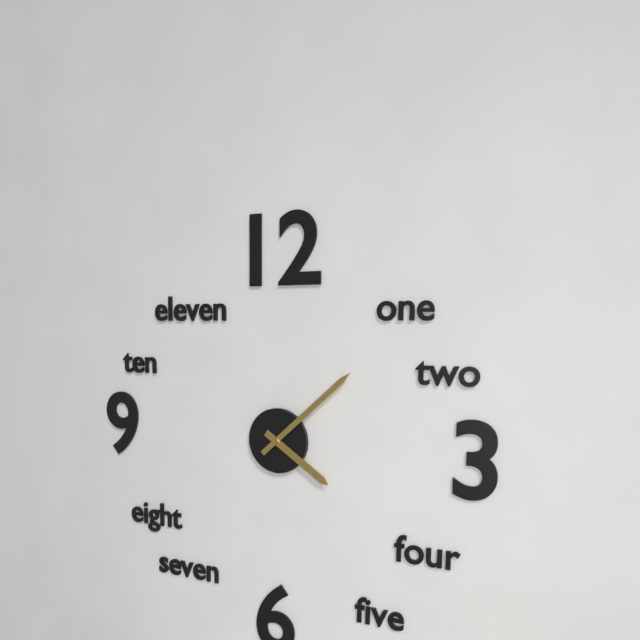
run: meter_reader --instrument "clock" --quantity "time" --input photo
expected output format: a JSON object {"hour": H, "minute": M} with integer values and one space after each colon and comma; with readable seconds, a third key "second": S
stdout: {"hour": 4, "minute": 8}
